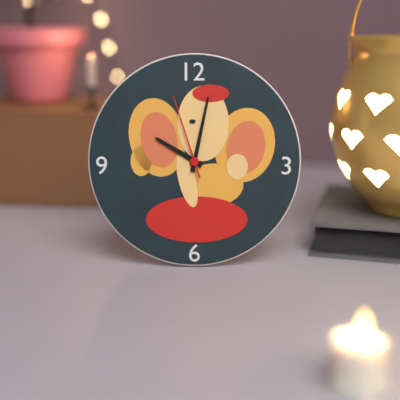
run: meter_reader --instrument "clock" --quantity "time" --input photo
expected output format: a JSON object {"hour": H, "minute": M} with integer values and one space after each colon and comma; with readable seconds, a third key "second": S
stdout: {"hour": 10, "minute": 2, "second": 57}
